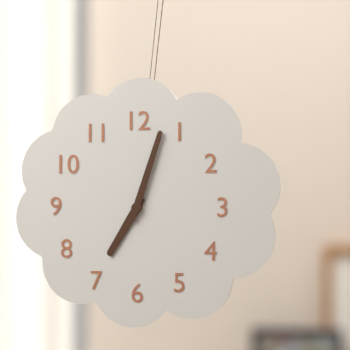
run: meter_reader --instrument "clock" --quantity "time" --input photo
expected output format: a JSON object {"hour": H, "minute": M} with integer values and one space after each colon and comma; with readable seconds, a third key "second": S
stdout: {"hour": 7, "minute": 3}
